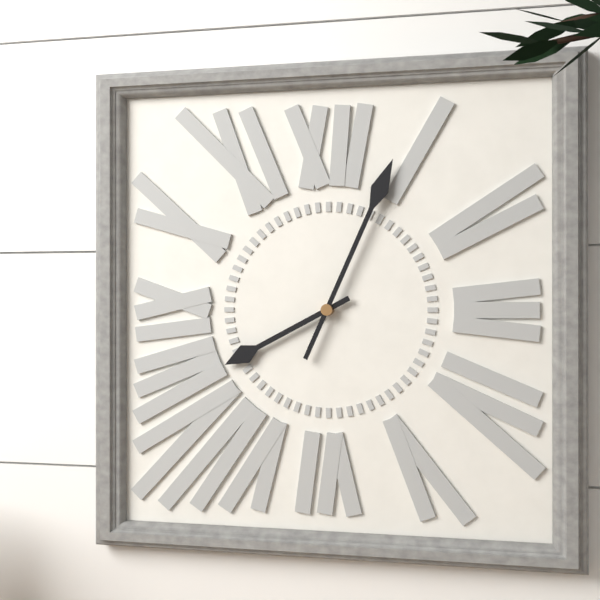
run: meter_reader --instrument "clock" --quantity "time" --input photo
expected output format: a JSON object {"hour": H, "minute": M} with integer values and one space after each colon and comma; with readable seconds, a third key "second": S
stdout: {"hour": 8, "minute": 4}
